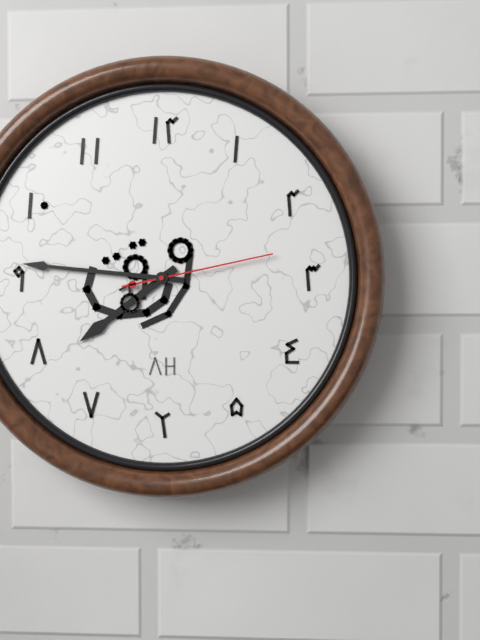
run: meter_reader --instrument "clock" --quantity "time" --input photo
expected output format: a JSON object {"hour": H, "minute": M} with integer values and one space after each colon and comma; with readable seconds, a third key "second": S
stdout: {"hour": 7, "minute": 46, "second": 13}
